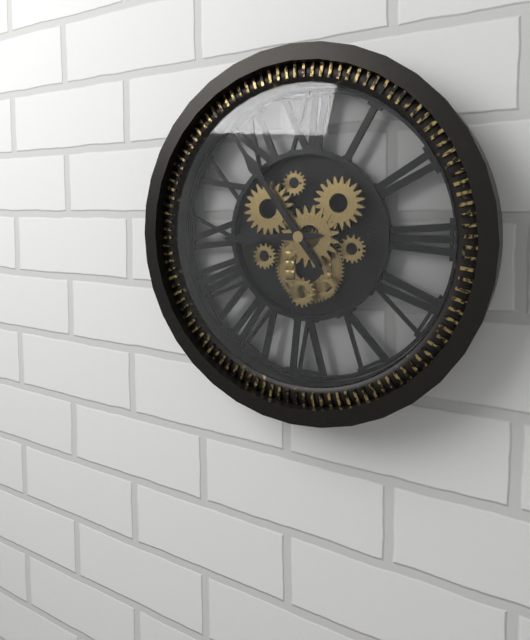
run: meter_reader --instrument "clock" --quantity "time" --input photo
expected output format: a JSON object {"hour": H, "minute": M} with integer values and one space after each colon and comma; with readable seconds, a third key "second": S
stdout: {"hour": 8, "minute": 54}
